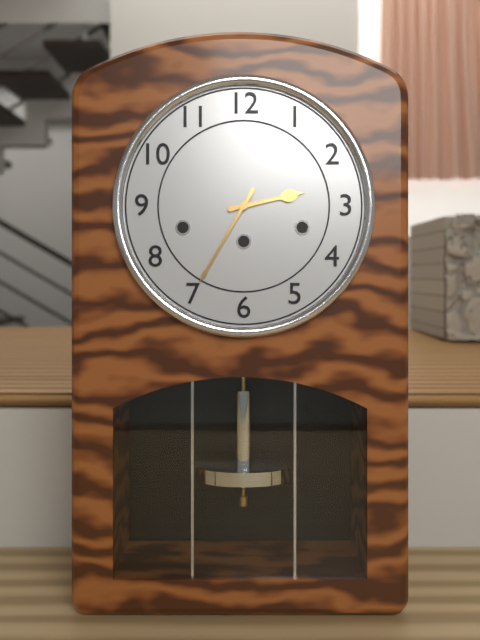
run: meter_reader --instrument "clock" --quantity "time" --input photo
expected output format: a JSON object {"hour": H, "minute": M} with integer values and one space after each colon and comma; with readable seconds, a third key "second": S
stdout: {"hour": 2, "minute": 35}
